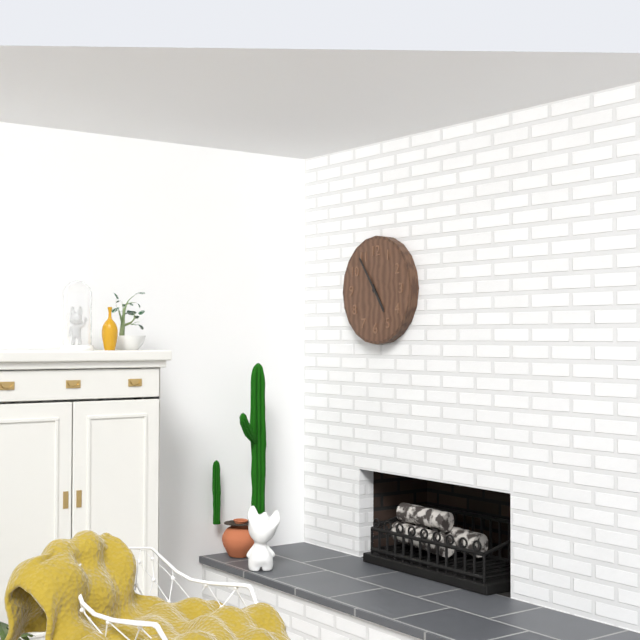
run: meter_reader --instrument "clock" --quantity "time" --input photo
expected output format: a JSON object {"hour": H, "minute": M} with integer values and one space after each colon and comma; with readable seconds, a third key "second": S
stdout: {"hour": 4, "minute": 54}
